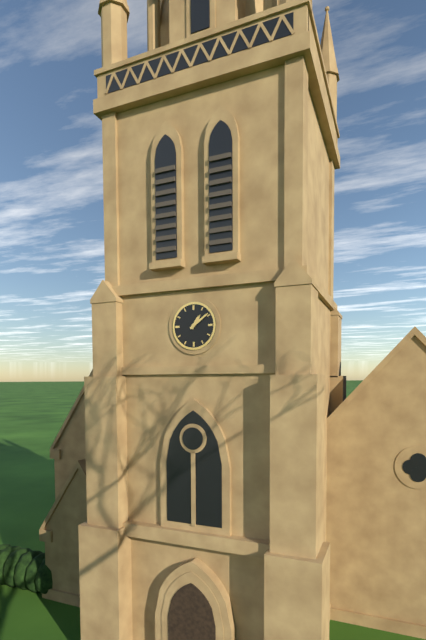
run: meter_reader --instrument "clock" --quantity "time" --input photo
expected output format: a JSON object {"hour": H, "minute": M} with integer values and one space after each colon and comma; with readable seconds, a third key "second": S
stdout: {"hour": 1, "minute": 9}
